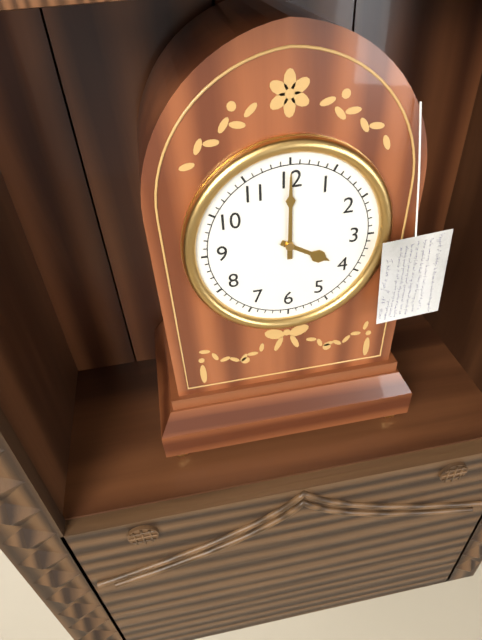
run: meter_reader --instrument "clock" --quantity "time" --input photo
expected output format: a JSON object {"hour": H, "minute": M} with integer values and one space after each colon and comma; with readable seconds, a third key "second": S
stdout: {"hour": 4, "minute": 0}
